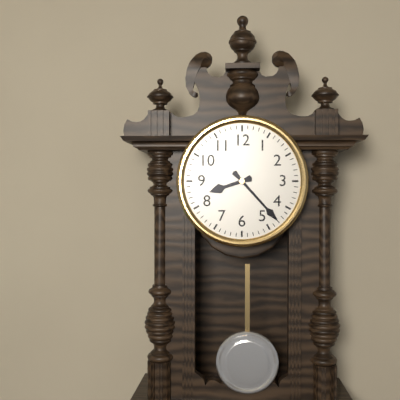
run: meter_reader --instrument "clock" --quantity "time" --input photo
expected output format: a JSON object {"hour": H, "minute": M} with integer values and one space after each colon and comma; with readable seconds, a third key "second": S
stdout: {"hour": 8, "minute": 23}
